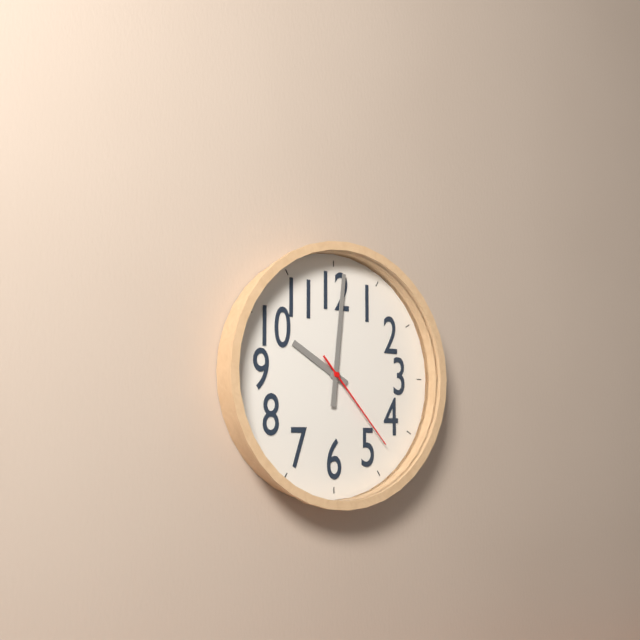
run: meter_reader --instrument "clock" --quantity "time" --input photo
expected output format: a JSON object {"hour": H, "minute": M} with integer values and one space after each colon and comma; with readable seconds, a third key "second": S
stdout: {"hour": 10, "minute": 1, "second": 23}
